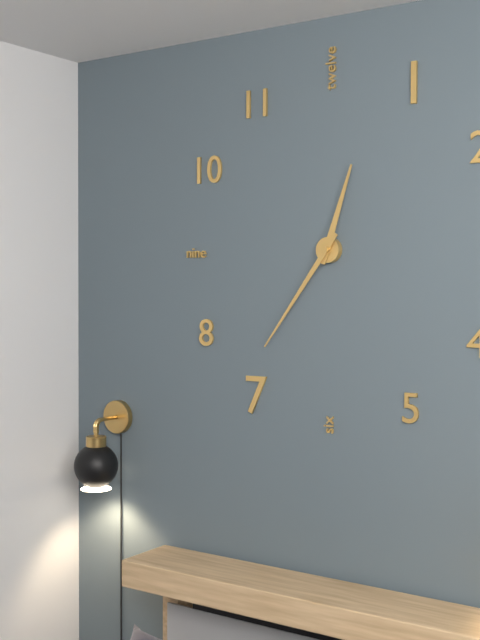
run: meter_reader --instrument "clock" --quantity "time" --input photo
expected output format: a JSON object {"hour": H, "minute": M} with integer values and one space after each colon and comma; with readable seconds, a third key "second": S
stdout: {"hour": 12, "minute": 36}
